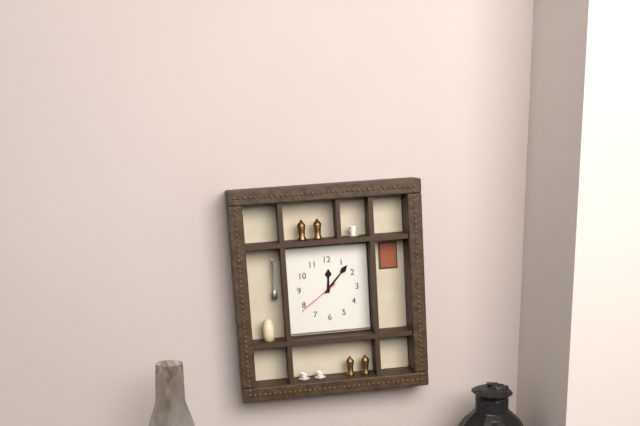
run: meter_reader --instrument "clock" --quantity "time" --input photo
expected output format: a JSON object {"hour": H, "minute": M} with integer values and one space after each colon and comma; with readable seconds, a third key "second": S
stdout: {"hour": 12, "minute": 7}
